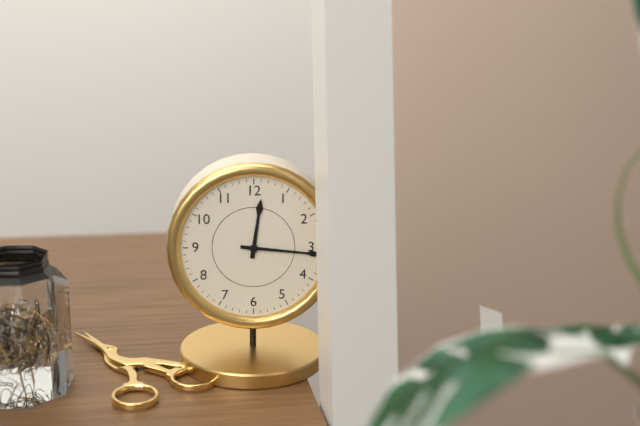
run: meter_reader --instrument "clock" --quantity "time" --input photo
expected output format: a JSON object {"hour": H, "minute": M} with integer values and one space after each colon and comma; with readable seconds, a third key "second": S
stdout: {"hour": 12, "minute": 16}
